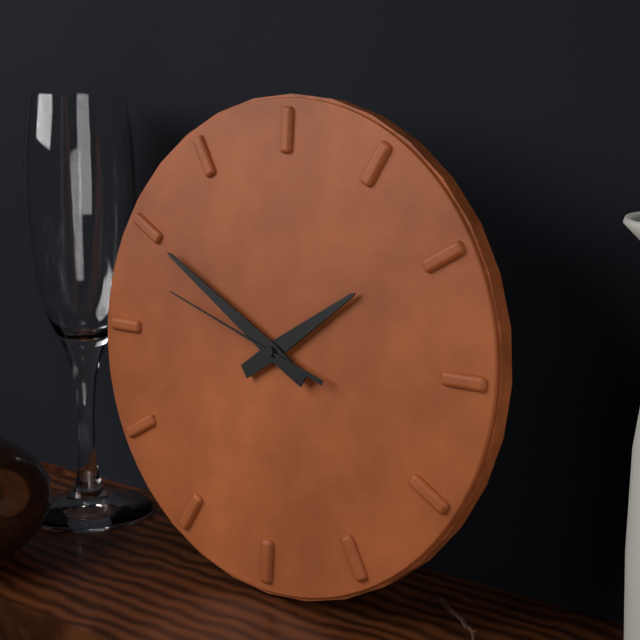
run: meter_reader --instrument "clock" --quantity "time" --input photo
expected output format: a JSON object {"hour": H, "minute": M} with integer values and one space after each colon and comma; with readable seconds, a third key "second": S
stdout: {"hour": 1, "minute": 50, "second": 48}
